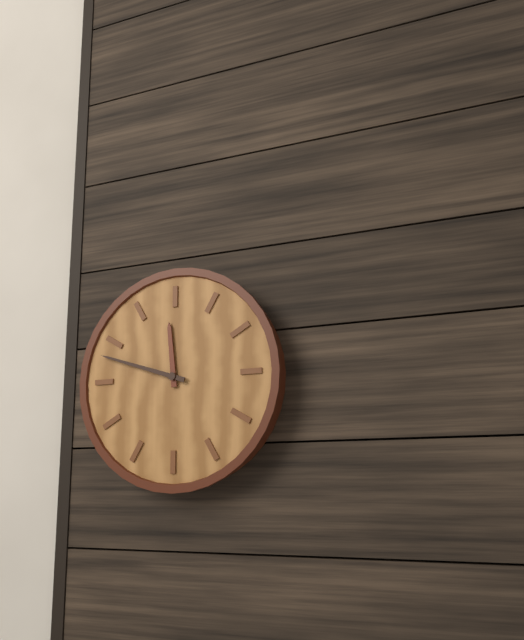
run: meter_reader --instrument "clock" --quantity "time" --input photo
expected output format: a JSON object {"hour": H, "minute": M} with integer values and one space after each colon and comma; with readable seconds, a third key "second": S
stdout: {"hour": 11, "minute": 48}
